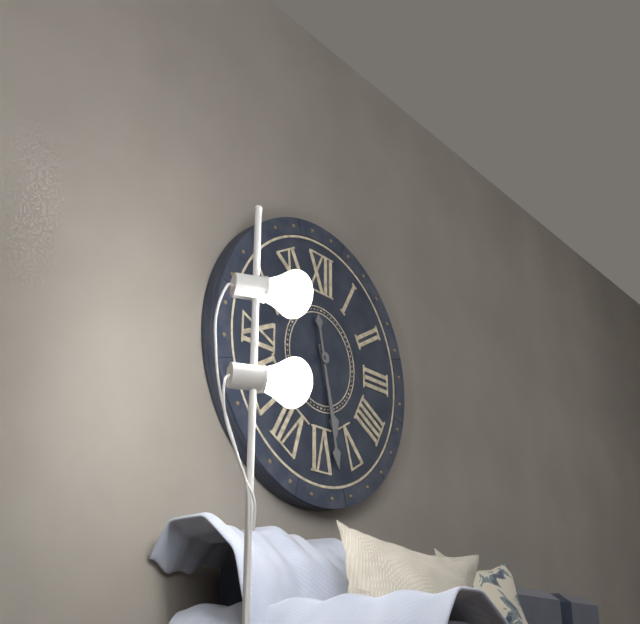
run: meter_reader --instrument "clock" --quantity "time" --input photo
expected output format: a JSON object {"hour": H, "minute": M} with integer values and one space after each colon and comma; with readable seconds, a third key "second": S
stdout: {"hour": 5, "minute": 28}
